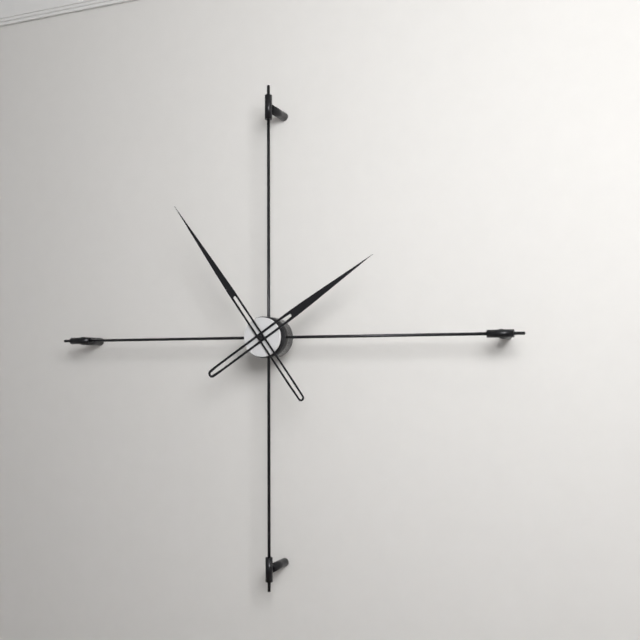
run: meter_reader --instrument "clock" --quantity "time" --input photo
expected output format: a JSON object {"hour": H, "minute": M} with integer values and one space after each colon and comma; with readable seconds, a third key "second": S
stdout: {"hour": 1, "minute": 54}
